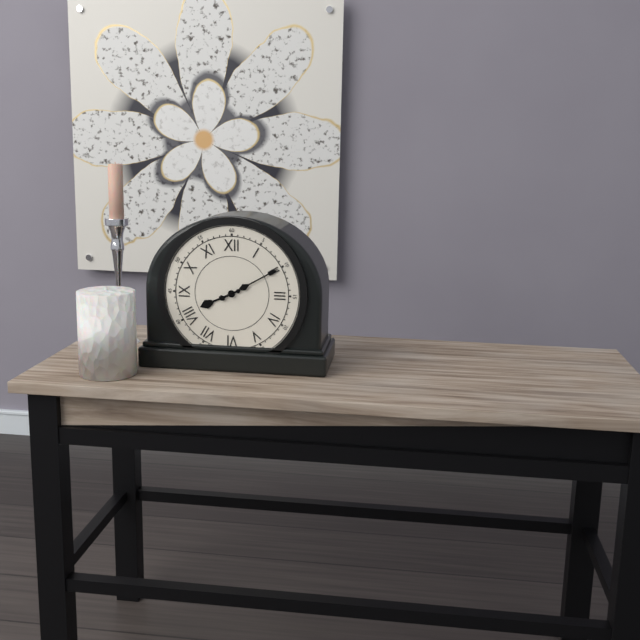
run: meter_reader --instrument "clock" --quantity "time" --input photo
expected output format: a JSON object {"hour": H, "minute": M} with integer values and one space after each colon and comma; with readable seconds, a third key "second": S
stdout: {"hour": 8, "minute": 10}
